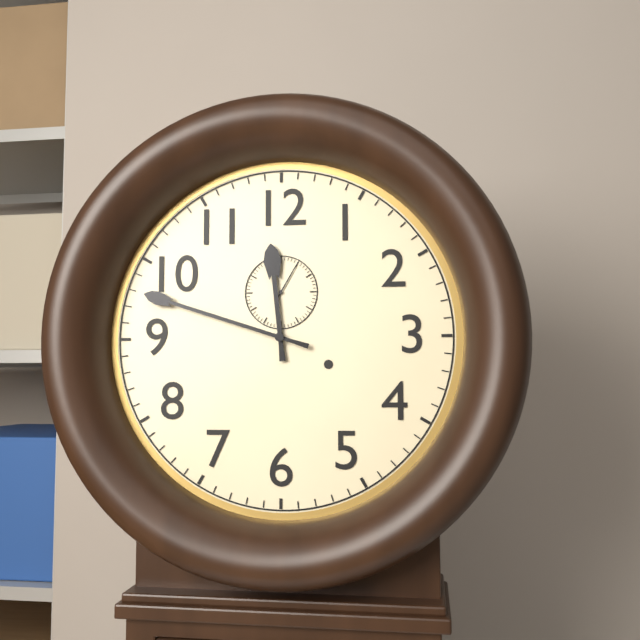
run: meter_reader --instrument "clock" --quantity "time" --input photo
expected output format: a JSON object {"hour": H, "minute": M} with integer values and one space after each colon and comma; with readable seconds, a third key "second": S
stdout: {"hour": 11, "minute": 48}
